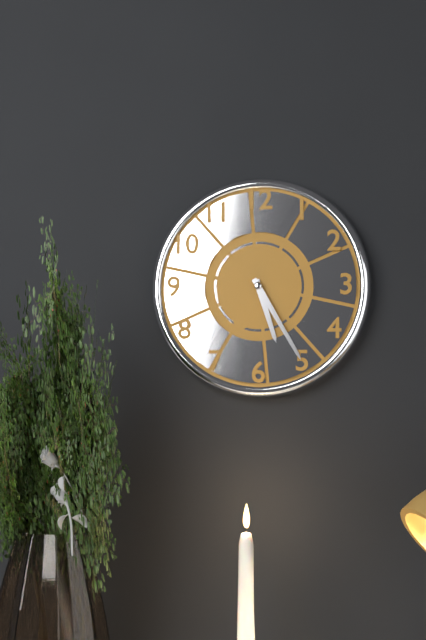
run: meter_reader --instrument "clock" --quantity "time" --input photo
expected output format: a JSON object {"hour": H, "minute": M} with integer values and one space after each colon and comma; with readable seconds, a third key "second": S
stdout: {"hour": 5, "minute": 25}
